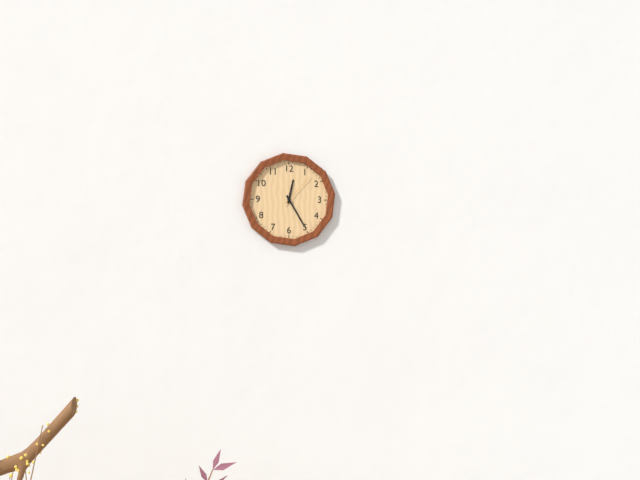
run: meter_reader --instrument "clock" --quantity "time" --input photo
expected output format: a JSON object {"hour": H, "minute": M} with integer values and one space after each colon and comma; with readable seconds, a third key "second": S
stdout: {"hour": 12, "minute": 25}
